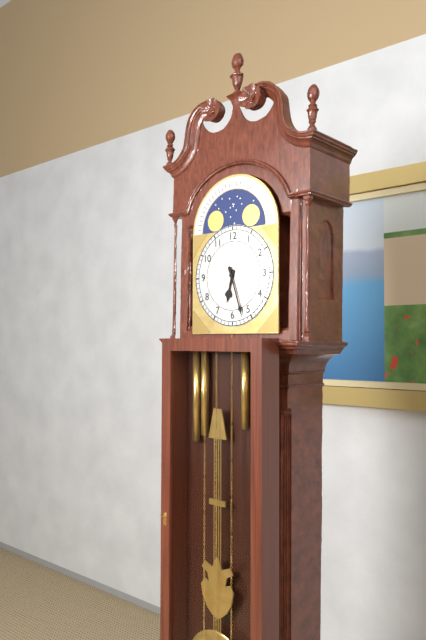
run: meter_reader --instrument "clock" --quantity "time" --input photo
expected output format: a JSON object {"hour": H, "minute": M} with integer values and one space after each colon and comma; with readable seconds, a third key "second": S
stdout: {"hour": 6, "minute": 27}
